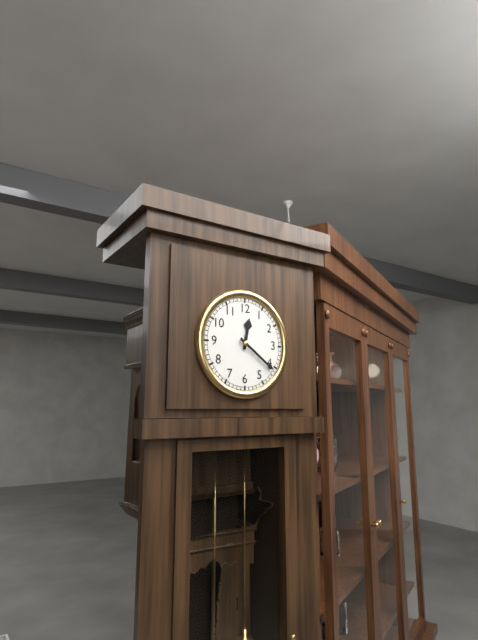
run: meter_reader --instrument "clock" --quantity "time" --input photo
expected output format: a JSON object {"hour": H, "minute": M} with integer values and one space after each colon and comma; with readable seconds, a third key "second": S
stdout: {"hour": 12, "minute": 21}
